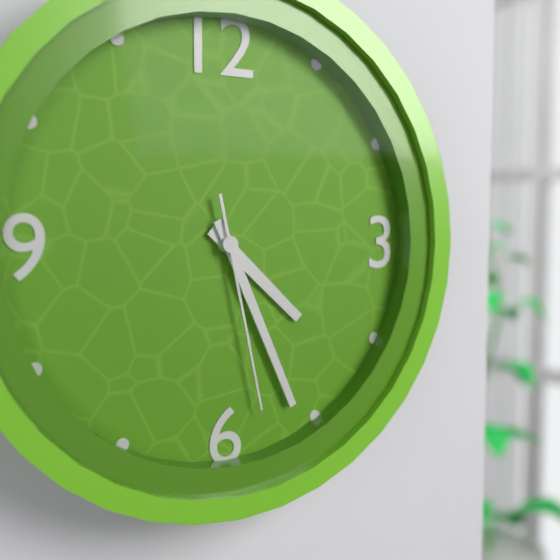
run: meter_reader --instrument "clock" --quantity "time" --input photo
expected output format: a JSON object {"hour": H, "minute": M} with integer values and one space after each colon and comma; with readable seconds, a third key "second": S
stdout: {"hour": 4, "minute": 26, "second": 28}
